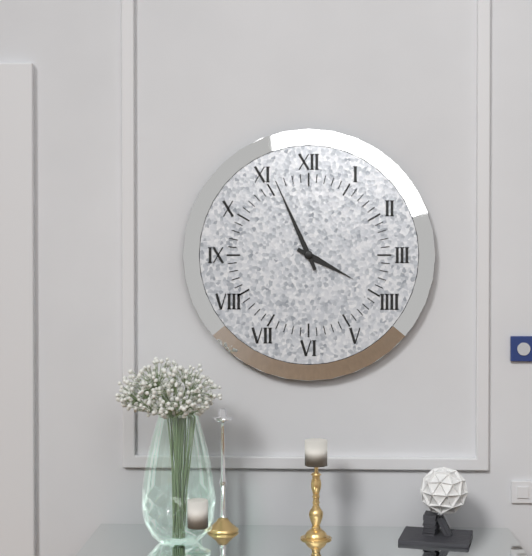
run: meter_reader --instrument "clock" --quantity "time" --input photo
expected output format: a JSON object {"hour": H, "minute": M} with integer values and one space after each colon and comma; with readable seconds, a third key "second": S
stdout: {"hour": 3, "minute": 56}
